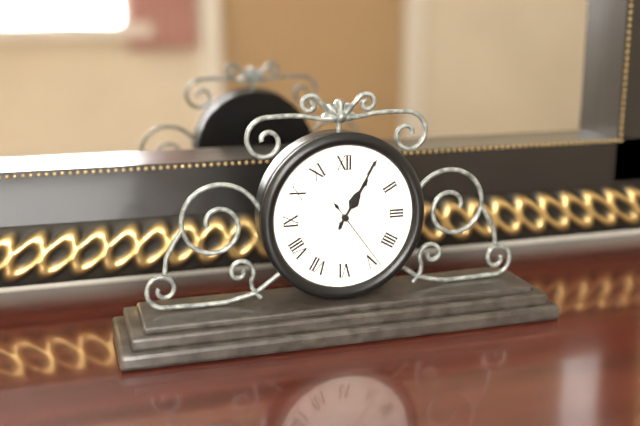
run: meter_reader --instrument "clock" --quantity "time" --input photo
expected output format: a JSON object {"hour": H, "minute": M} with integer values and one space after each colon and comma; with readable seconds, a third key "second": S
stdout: {"hour": 1, "minute": 5, "second": 24}
